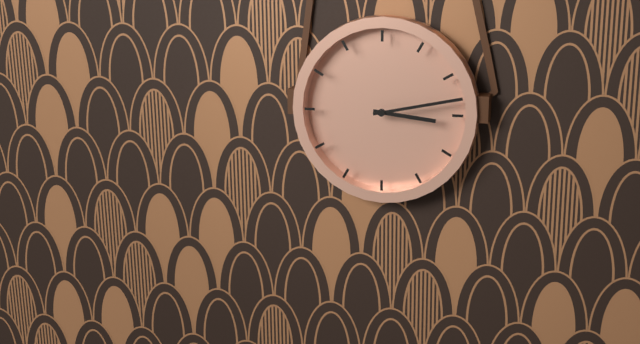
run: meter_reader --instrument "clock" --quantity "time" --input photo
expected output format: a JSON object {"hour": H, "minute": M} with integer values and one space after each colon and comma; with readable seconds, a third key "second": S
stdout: {"hour": 3, "minute": 13}
